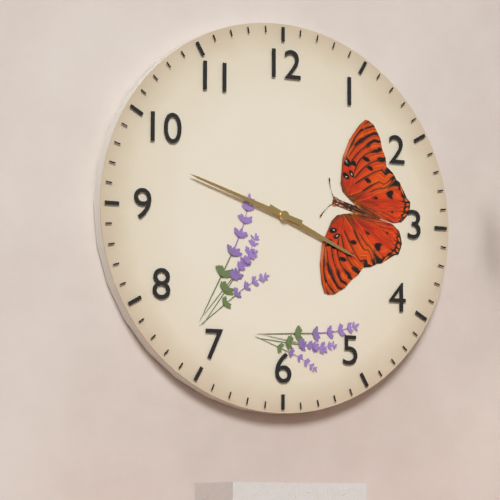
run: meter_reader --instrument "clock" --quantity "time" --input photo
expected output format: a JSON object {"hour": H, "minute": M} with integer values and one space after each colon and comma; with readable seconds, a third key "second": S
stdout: {"hour": 3, "minute": 48}
